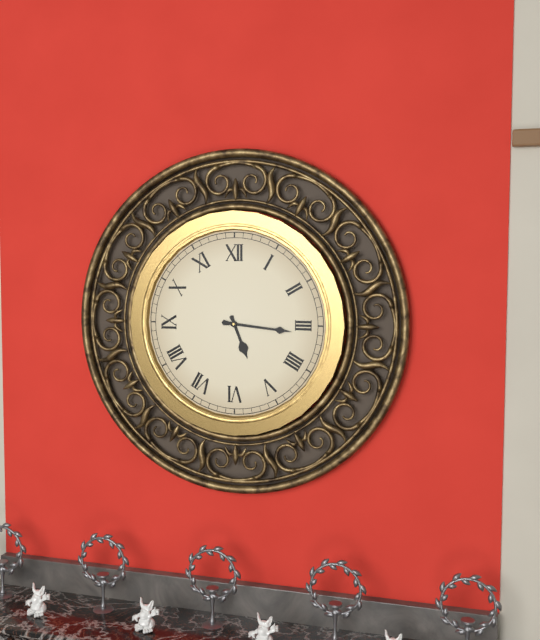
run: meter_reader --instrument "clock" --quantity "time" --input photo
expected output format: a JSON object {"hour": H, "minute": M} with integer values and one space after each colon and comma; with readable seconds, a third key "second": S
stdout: {"hour": 5, "minute": 16}
